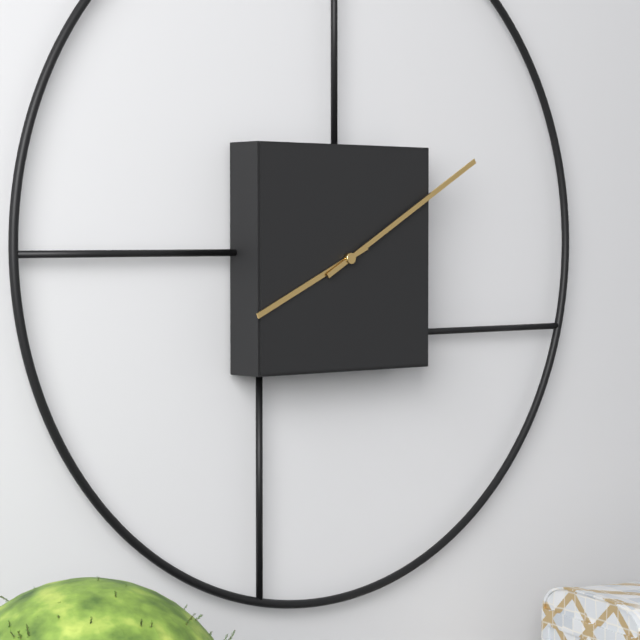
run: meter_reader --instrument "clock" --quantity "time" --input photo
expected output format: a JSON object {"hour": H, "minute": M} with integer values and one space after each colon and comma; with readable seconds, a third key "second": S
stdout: {"hour": 8, "minute": 10}
